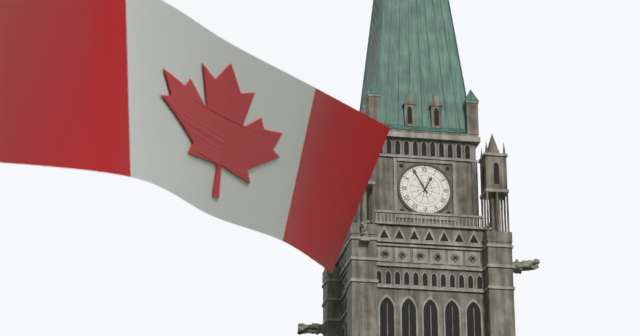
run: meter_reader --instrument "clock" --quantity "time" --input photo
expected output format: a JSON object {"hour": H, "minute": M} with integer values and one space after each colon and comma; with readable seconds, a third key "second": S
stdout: {"hour": 12, "minute": 55}
